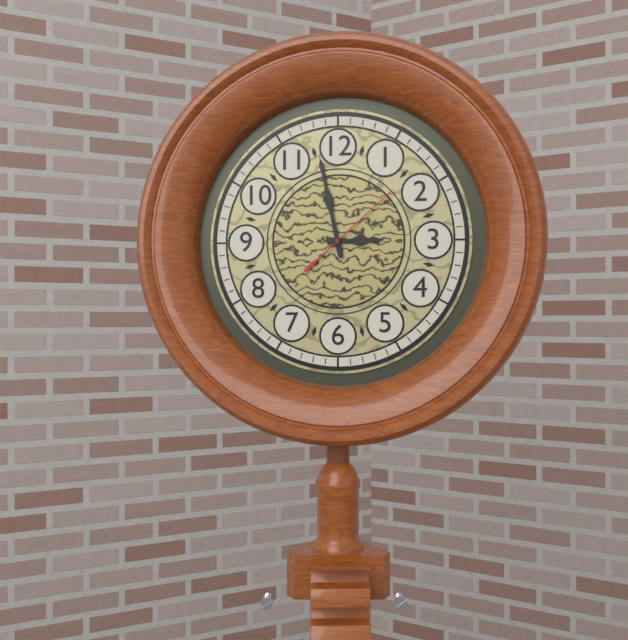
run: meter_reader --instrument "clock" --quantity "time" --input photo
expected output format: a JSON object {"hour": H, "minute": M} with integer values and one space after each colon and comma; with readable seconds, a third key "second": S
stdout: {"hour": 2, "minute": 58, "second": 8}
